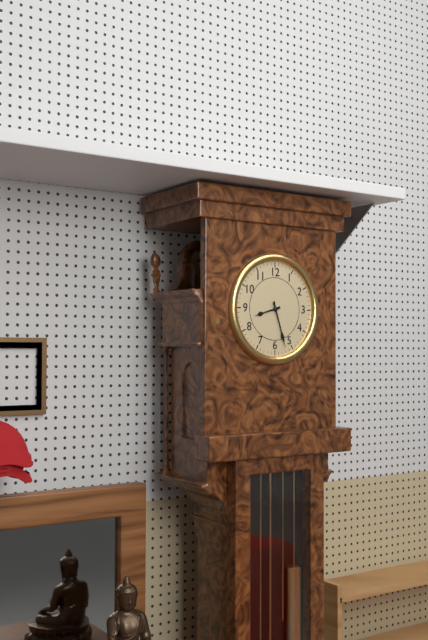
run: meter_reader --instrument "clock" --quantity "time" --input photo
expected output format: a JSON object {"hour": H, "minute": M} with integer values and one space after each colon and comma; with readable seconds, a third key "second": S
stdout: {"hour": 8, "minute": 27}
